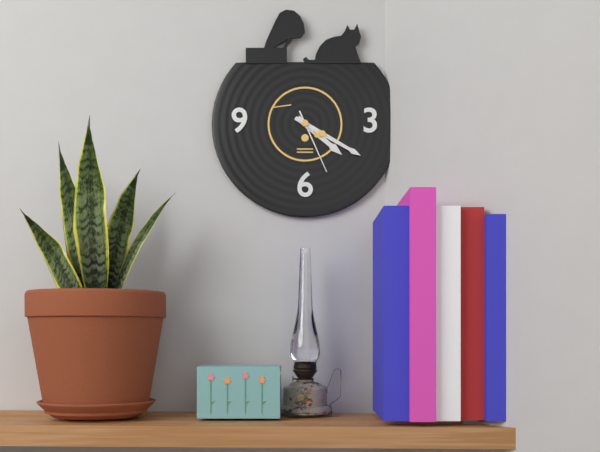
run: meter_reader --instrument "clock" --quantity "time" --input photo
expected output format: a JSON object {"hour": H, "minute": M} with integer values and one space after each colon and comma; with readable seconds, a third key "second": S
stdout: {"hour": 4, "minute": 20, "second": 26}
